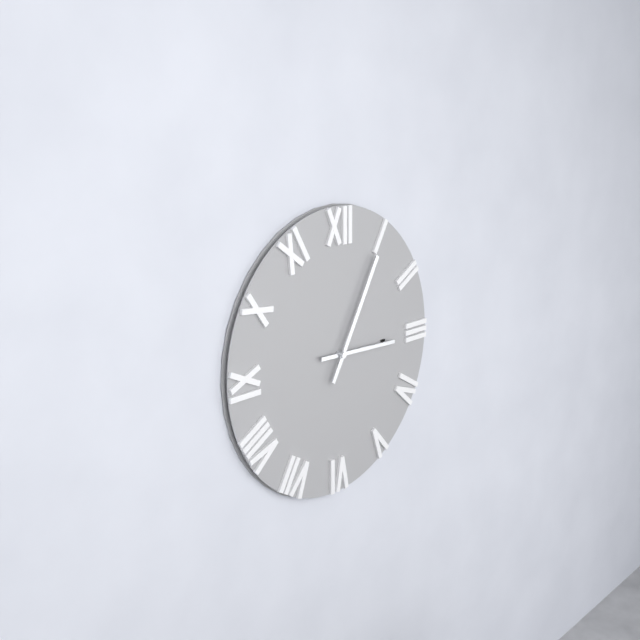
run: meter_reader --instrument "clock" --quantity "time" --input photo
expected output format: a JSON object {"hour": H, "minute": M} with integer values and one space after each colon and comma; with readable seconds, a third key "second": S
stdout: {"hour": 3, "minute": 5}
